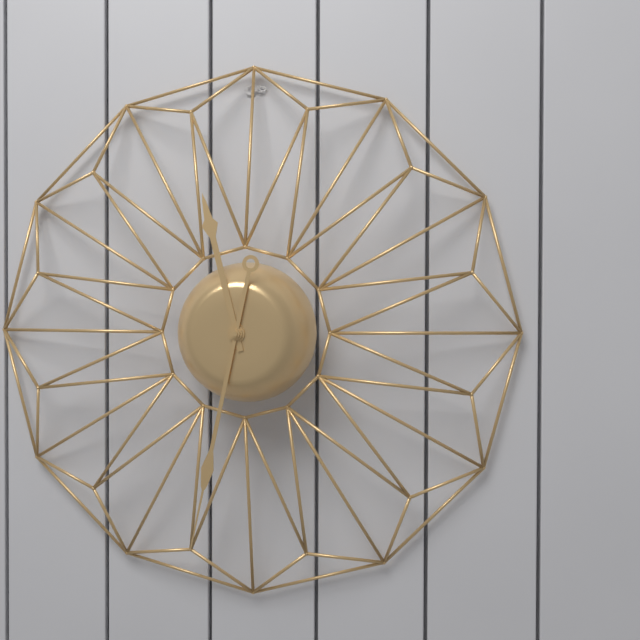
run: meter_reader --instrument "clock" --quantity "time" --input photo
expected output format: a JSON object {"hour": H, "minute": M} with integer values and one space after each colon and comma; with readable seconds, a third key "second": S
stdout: {"hour": 11, "minute": 32}
